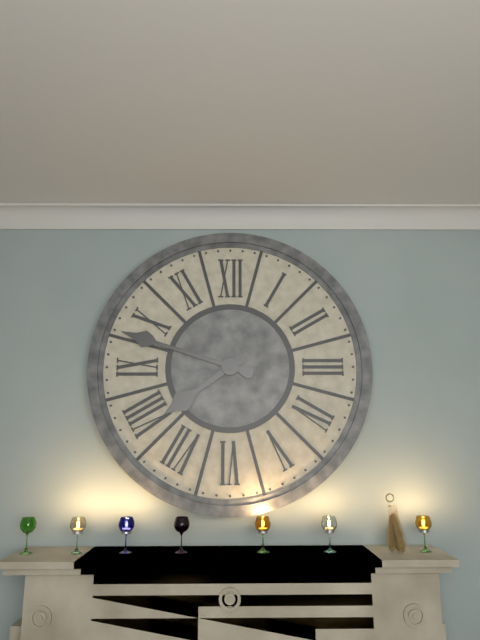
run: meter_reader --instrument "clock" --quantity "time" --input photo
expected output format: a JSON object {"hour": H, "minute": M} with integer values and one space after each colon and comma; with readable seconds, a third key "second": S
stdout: {"hour": 7, "minute": 48}
